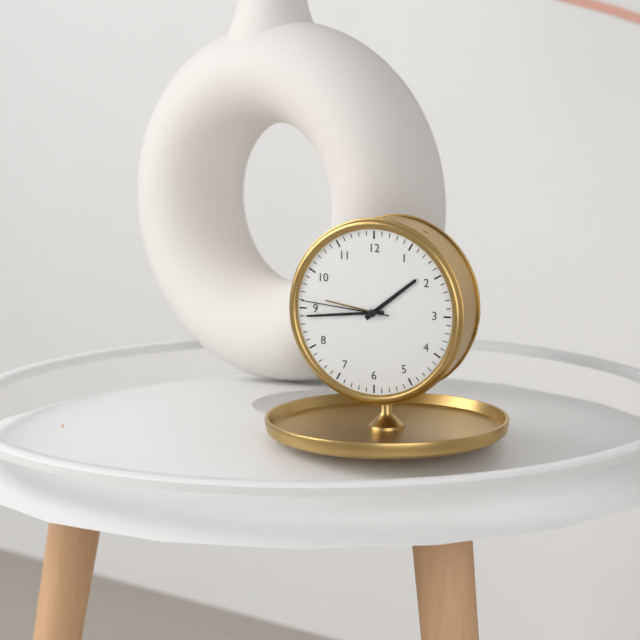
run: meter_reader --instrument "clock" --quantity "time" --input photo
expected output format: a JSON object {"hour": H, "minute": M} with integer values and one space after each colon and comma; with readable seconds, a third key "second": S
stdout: {"hour": 1, "minute": 44, "second": 46}
